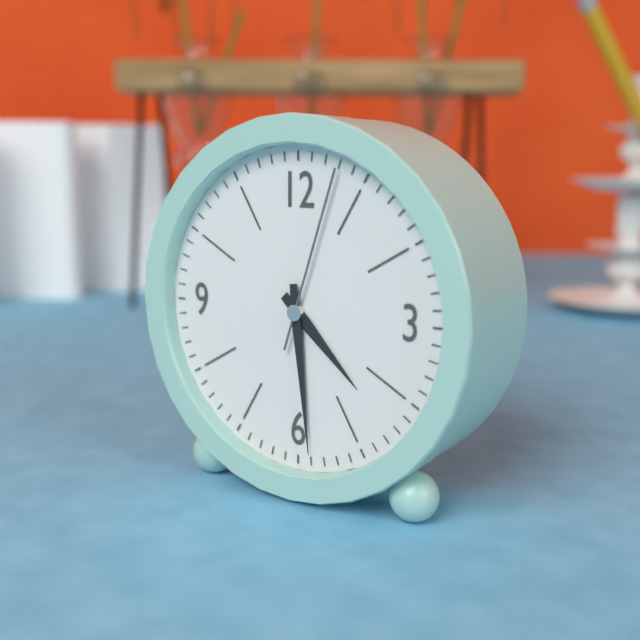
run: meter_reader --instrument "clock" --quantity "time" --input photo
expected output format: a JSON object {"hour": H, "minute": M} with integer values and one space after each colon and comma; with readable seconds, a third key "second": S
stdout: {"hour": 4, "minute": 29, "second": 3}
